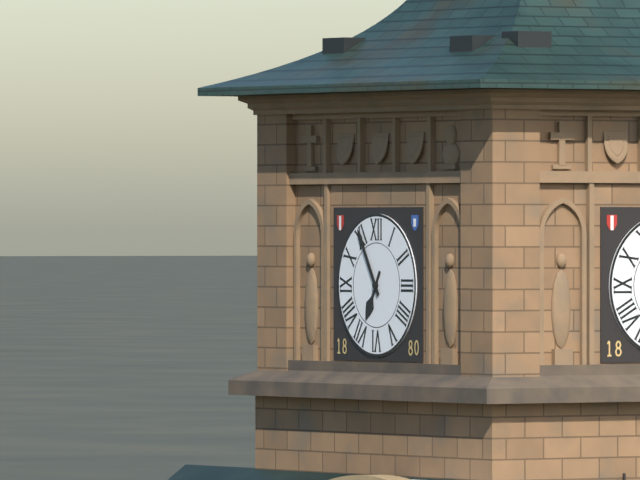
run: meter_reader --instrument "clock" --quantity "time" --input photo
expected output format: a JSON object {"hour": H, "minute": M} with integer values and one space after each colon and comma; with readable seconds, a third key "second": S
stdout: {"hour": 6, "minute": 55}
